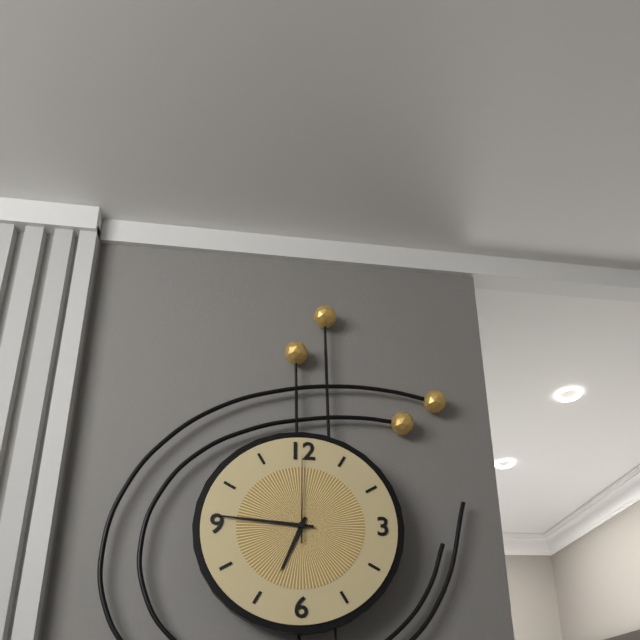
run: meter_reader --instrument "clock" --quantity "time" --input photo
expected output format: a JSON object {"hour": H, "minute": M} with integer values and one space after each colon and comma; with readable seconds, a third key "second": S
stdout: {"hour": 6, "minute": 46, "second": 0}
